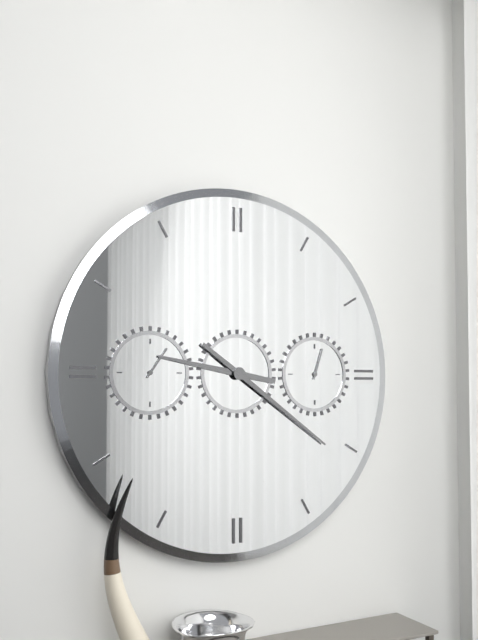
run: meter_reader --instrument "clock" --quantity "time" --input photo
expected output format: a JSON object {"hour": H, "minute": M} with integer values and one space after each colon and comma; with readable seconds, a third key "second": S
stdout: {"hour": 9, "minute": 21}
